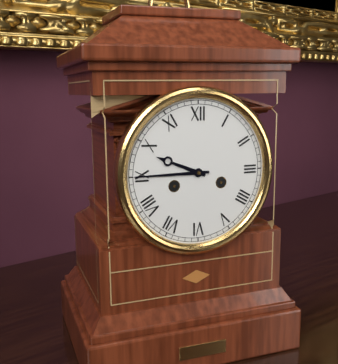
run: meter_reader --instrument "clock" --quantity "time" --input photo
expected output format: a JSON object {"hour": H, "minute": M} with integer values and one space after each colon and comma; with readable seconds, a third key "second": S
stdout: {"hour": 9, "minute": 45}
